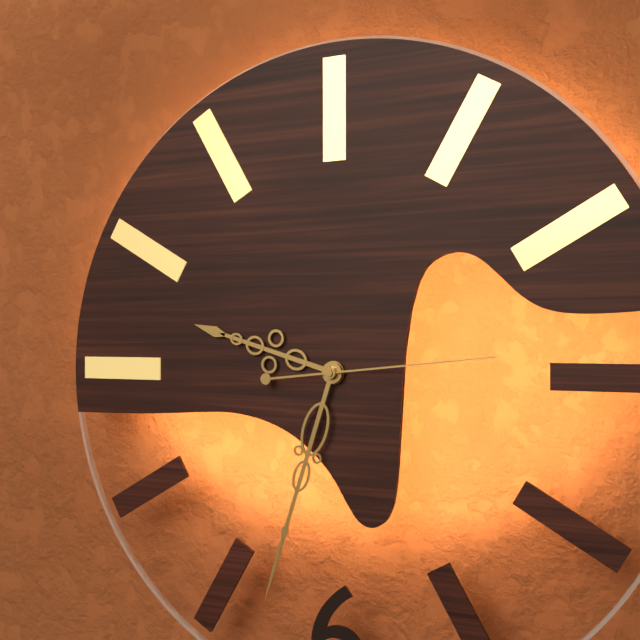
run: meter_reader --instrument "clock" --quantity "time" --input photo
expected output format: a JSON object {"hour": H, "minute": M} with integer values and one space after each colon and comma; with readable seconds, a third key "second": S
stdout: {"hour": 9, "minute": 33, "second": 14}
